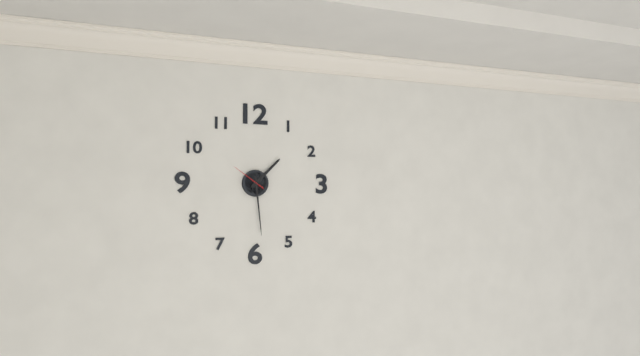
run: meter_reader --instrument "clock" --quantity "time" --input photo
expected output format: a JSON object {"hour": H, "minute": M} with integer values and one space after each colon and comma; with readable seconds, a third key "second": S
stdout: {"hour": 1, "minute": 29}
